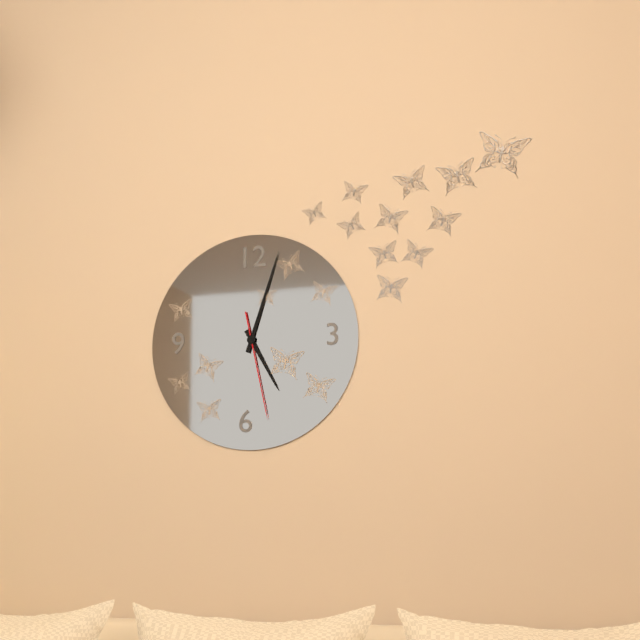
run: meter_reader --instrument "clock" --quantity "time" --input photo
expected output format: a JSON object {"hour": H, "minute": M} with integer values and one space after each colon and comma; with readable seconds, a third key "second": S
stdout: {"hour": 5, "minute": 3, "second": 28}
